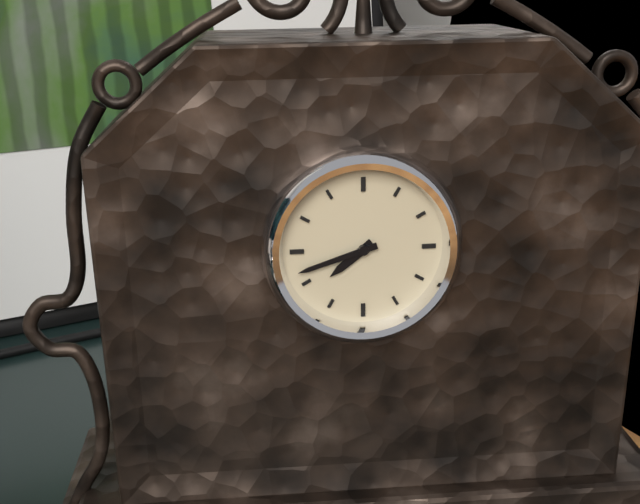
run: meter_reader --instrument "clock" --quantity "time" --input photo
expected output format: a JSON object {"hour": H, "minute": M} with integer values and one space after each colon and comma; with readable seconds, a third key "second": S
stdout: {"hour": 7, "minute": 42}
